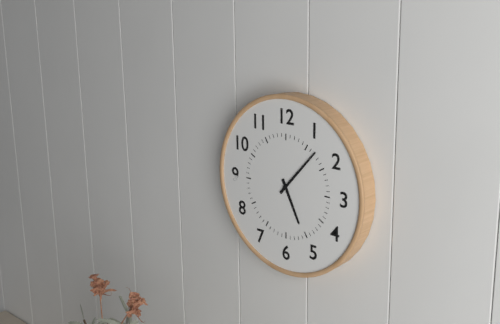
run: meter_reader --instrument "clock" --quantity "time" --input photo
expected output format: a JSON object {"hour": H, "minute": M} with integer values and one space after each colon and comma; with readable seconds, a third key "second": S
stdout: {"hour": 5, "minute": 7}
